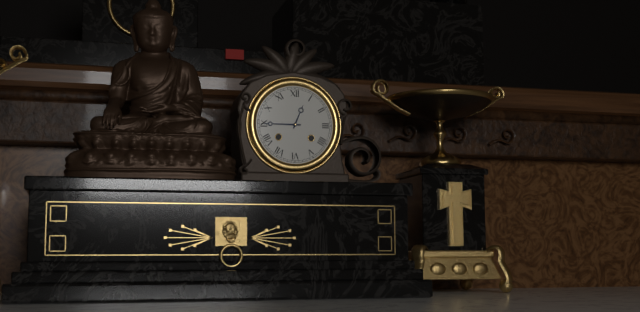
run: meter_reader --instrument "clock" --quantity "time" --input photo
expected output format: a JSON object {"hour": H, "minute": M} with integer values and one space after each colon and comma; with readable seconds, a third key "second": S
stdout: {"hour": 12, "minute": 45}
